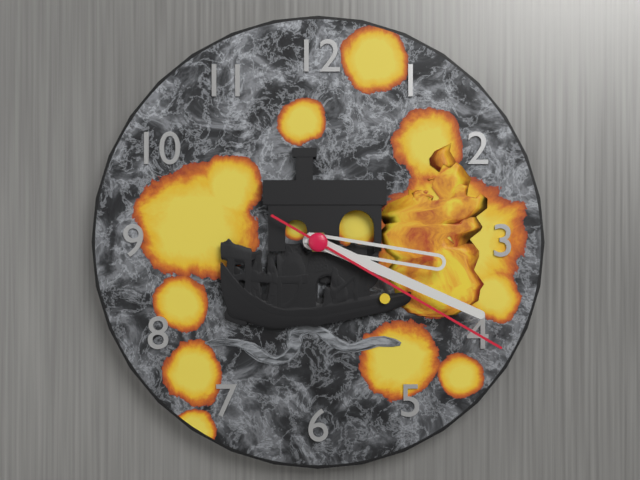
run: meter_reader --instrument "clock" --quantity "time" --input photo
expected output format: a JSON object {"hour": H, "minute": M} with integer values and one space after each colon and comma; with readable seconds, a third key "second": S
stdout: {"hour": 3, "minute": 19, "second": 20}
